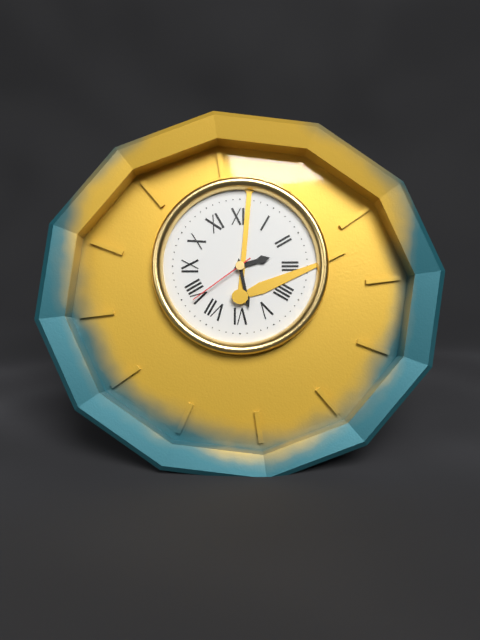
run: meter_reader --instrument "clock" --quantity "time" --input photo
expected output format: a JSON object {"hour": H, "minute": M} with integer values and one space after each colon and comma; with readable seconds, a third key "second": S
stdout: {"hour": 2, "minute": 28, "second": 39}
